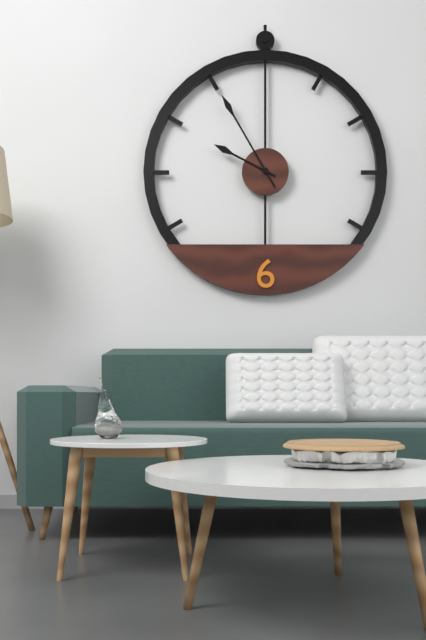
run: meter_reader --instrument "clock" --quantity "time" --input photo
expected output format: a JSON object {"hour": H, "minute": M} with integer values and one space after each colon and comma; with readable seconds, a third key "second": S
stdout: {"hour": 9, "minute": 55}
